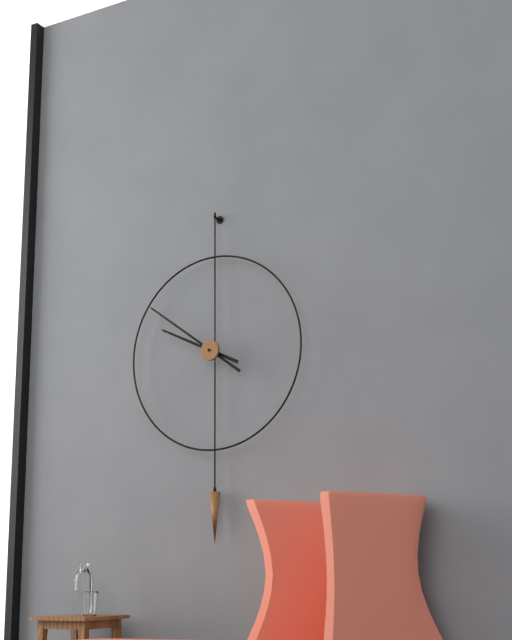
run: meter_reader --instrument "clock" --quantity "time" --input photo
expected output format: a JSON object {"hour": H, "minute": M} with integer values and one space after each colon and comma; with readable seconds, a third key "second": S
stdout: {"hour": 9, "minute": 51}
